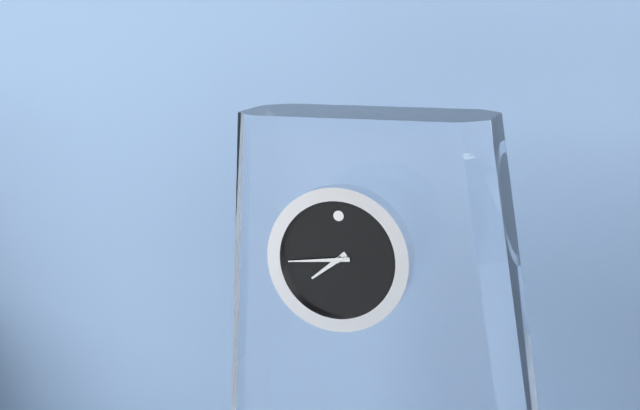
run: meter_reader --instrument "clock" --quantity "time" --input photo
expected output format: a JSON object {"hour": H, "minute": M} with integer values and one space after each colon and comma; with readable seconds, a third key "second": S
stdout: {"hour": 7, "minute": 44}
